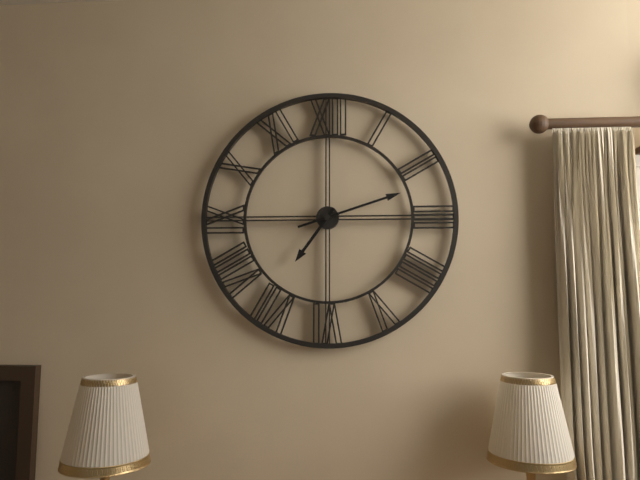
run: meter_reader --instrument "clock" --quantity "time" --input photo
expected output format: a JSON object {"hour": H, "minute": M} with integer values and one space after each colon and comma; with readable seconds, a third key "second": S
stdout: {"hour": 7, "minute": 12}
